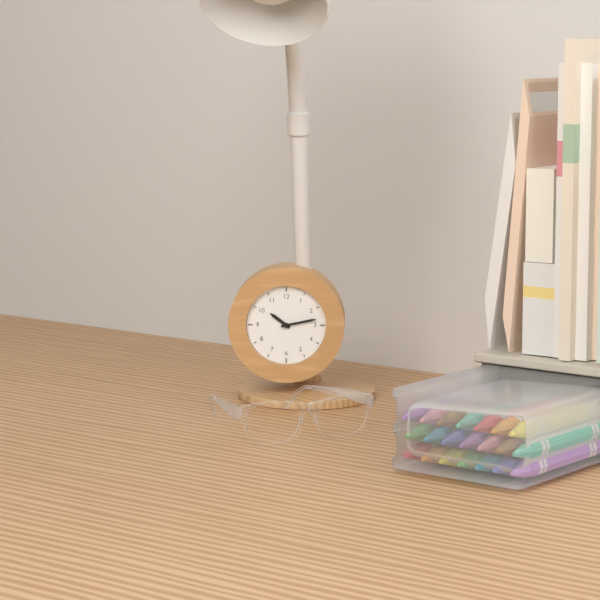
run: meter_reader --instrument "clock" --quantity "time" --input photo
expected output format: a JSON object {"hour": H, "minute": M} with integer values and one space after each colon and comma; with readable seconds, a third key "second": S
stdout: {"hour": 10, "minute": 13}
